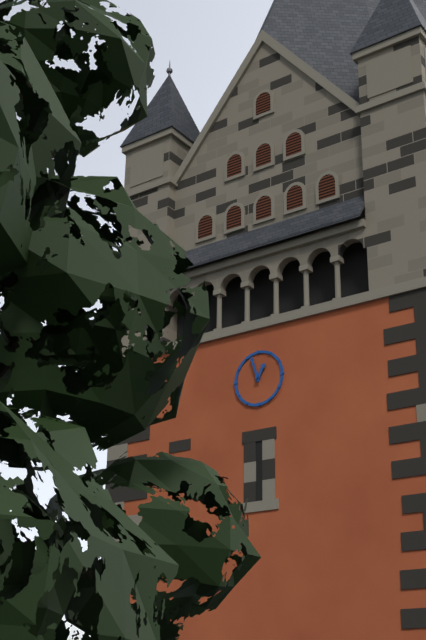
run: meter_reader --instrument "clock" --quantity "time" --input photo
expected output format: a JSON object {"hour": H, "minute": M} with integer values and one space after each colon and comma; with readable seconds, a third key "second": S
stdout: {"hour": 12, "minute": 57}
